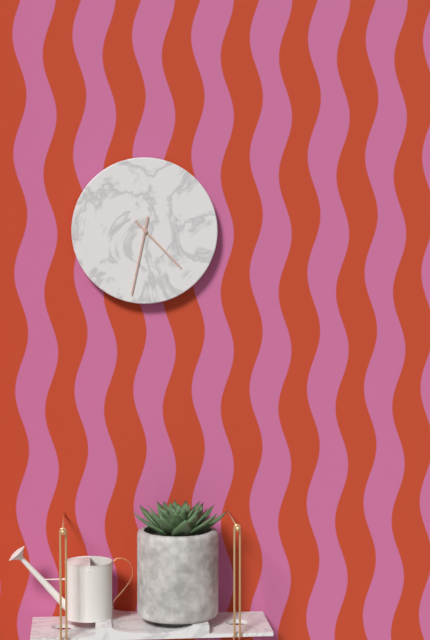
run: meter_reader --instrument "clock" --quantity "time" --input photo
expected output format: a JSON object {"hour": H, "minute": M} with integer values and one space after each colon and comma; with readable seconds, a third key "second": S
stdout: {"hour": 4, "minute": 32}
